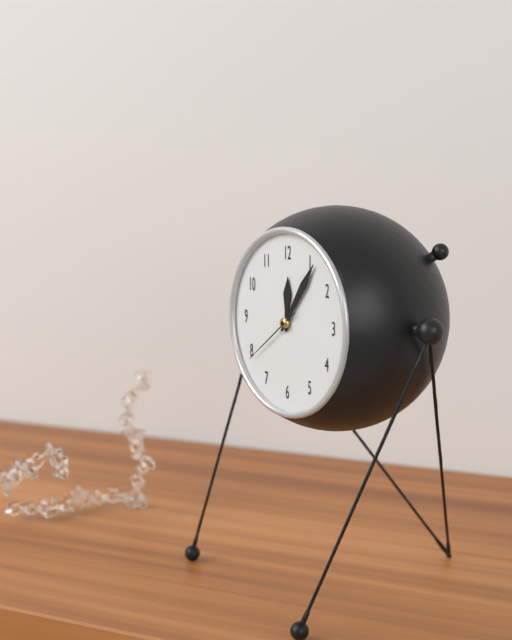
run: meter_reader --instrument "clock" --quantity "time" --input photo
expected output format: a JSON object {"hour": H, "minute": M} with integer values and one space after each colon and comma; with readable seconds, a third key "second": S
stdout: {"hour": 12, "minute": 6, "second": 39}
